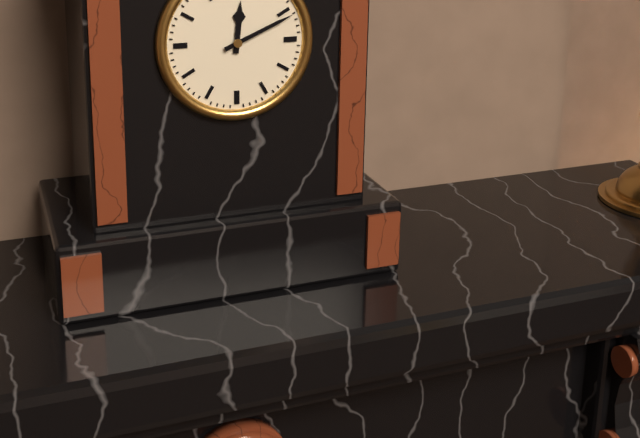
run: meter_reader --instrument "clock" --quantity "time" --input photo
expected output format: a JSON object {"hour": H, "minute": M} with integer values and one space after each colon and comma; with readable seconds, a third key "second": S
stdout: {"hour": 12, "minute": 11}
